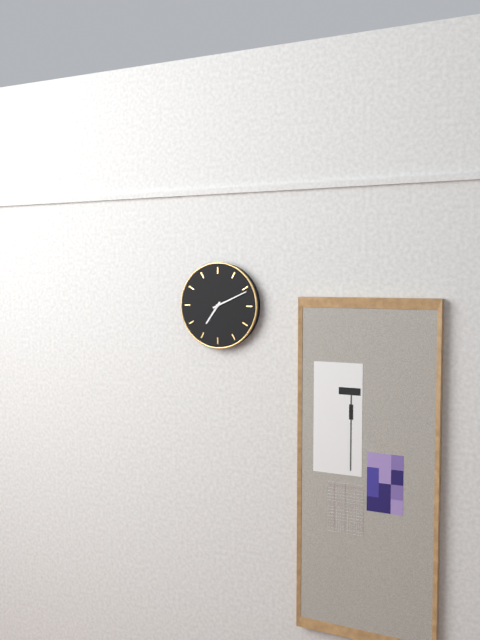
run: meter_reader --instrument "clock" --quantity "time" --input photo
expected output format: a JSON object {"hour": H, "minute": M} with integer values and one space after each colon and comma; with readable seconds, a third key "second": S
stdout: {"hour": 7, "minute": 11}
